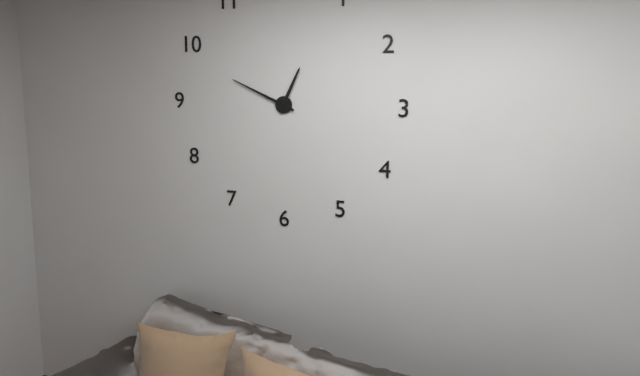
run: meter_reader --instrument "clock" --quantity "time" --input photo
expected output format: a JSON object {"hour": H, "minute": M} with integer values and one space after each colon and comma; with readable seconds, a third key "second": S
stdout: {"hour": 12, "minute": 49}
